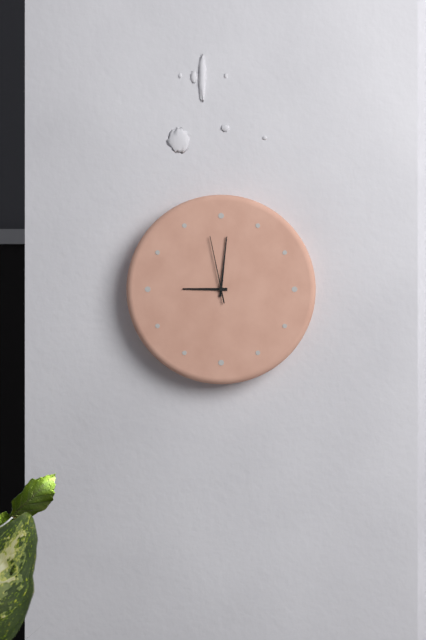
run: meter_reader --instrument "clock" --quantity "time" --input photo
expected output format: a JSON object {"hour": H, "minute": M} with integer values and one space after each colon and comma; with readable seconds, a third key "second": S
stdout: {"hour": 9, "minute": 1, "second": 58}
